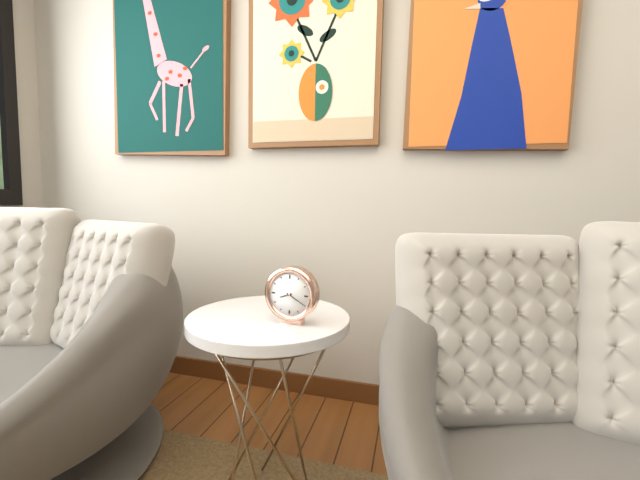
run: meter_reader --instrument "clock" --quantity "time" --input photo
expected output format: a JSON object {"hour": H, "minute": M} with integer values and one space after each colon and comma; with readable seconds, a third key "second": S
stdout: {"hour": 8, "minute": 20}
